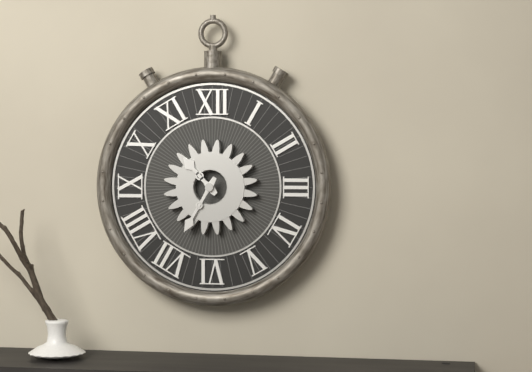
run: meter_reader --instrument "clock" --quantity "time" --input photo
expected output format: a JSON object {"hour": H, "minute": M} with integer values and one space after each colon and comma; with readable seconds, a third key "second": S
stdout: {"hour": 10, "minute": 35}
